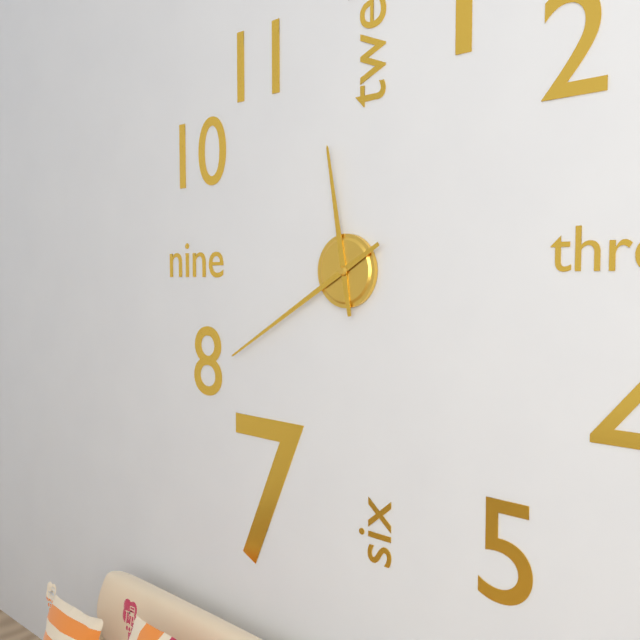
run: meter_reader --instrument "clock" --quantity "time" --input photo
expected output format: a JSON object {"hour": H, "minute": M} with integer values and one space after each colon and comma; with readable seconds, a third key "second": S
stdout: {"hour": 11, "minute": 40}
